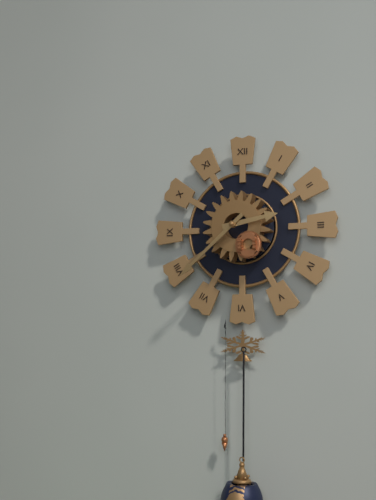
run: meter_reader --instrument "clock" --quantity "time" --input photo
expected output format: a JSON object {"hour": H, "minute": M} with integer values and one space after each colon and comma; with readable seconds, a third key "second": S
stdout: {"hour": 2, "minute": 38}
